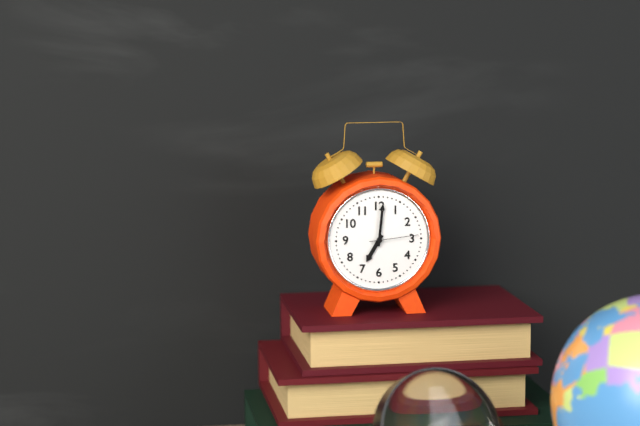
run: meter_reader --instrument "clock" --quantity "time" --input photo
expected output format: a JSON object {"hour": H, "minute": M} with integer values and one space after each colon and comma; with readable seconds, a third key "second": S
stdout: {"hour": 7, "minute": 1, "second": 14}
